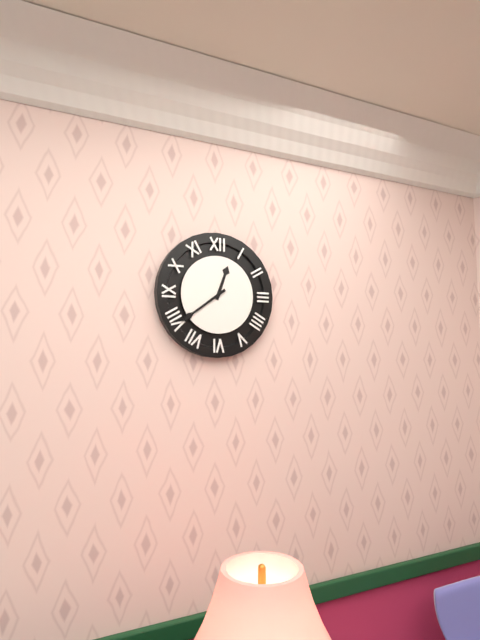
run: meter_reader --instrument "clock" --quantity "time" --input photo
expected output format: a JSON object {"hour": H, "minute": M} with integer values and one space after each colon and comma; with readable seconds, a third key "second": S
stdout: {"hour": 12, "minute": 39}
